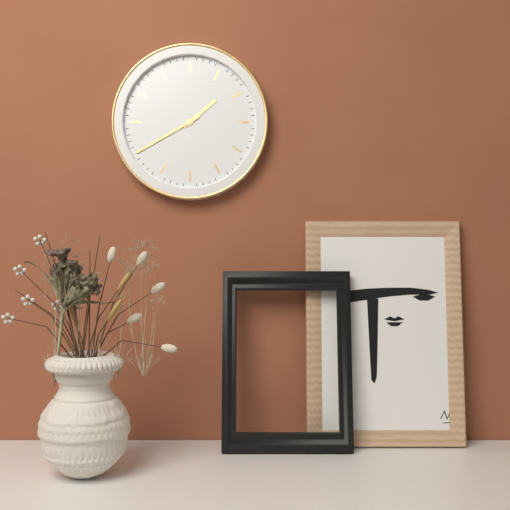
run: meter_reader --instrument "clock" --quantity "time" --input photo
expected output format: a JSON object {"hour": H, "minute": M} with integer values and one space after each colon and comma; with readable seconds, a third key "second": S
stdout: {"hour": 1, "minute": 40}
